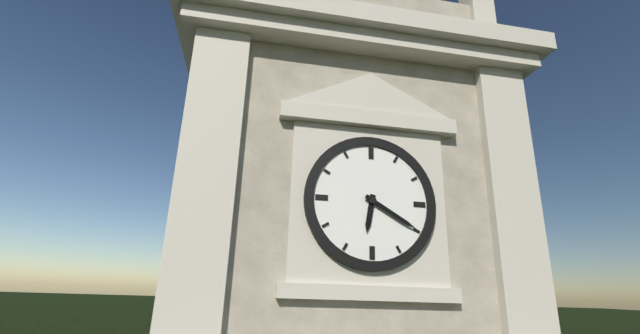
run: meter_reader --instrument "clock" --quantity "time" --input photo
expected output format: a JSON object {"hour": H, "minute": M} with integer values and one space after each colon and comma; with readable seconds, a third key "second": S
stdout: {"hour": 6, "minute": 20}
